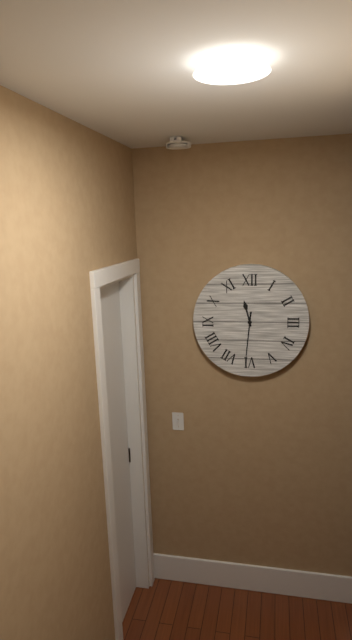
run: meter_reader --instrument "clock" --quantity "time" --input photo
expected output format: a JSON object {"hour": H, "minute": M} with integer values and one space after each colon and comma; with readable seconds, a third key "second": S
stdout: {"hour": 11, "minute": 31}
